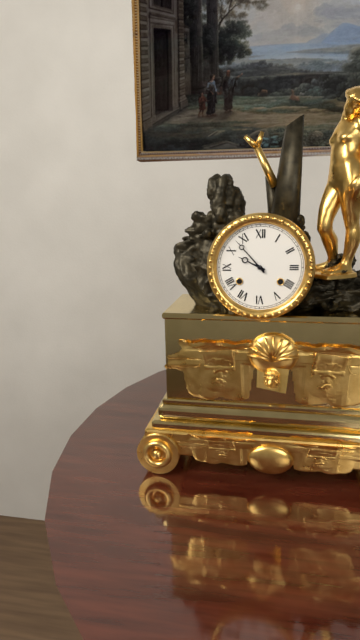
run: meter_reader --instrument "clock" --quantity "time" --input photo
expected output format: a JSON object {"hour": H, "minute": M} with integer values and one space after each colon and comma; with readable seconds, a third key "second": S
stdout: {"hour": 9, "minute": 53}
